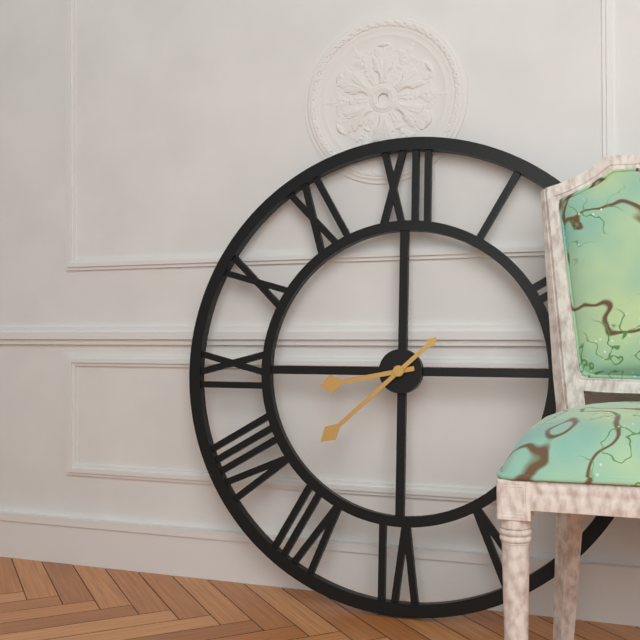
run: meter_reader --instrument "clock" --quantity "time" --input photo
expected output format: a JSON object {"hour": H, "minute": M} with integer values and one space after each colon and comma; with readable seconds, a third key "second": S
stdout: {"hour": 8, "minute": 38}
